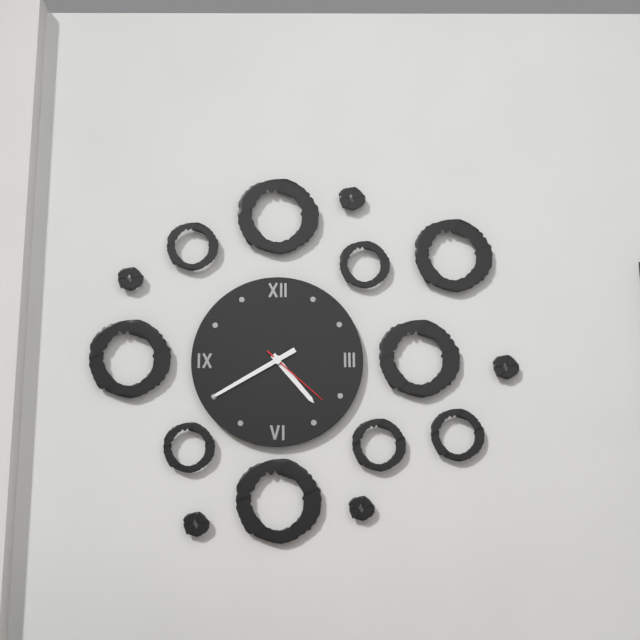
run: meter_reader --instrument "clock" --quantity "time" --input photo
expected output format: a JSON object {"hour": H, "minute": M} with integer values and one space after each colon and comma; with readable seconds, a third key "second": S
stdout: {"hour": 4, "minute": 40, "second": 22}
